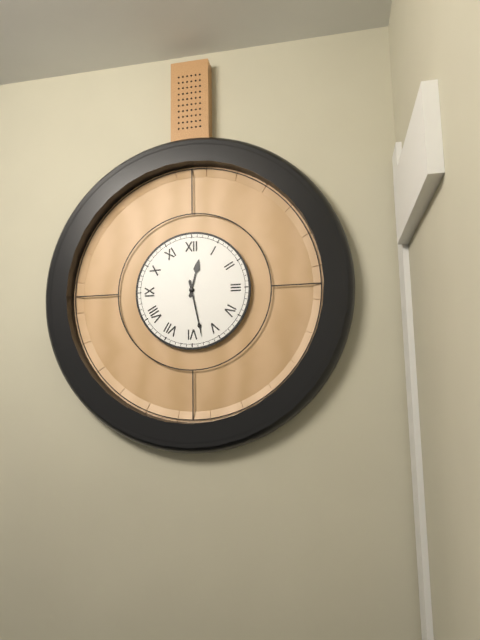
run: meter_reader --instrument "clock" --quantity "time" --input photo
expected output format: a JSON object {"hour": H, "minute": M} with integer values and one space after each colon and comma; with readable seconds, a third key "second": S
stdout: {"hour": 12, "minute": 28}
